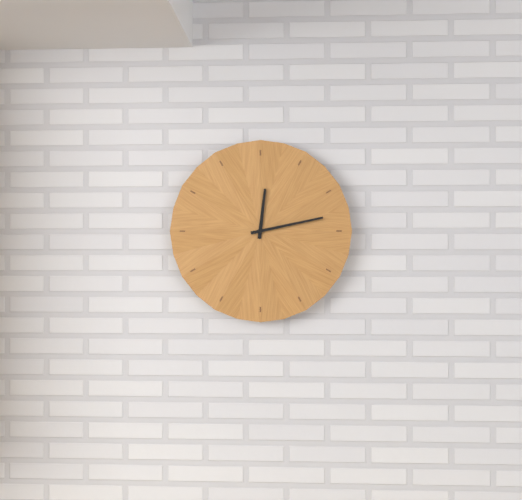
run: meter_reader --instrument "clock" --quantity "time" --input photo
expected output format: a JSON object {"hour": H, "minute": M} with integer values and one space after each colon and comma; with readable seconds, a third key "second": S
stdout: {"hour": 12, "minute": 13}
